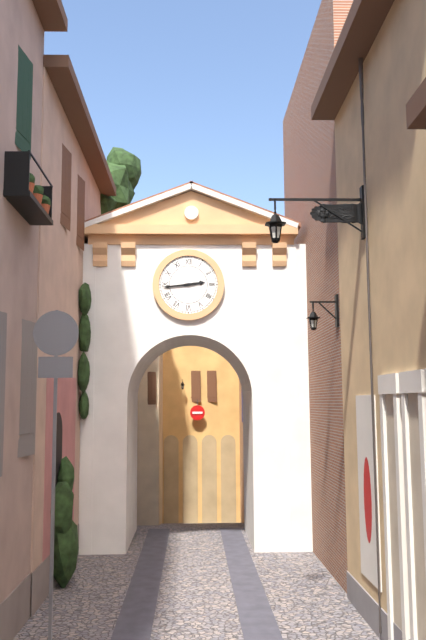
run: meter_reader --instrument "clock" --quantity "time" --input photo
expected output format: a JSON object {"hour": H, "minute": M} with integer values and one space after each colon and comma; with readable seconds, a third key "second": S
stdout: {"hour": 2, "minute": 44}
